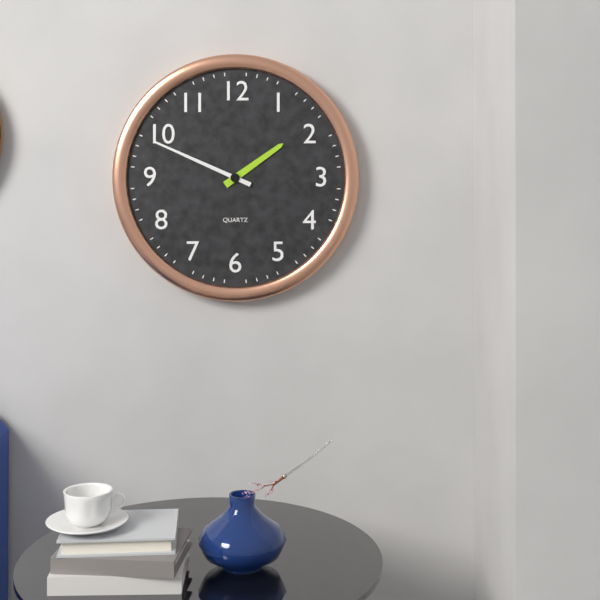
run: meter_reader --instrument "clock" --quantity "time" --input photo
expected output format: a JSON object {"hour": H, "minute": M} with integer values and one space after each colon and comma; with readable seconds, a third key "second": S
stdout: {"hour": 1, "minute": 49}
